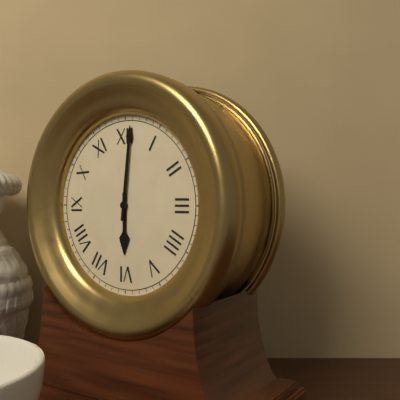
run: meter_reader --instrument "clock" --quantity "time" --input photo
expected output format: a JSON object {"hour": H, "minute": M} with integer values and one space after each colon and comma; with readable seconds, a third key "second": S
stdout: {"hour": 6, "minute": 1}
